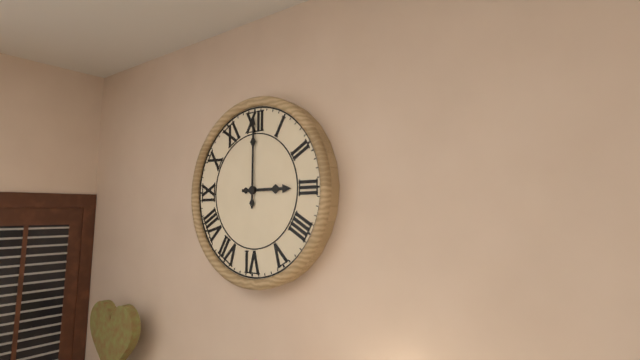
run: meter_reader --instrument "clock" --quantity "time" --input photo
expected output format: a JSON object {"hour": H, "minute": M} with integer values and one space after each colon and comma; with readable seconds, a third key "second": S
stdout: {"hour": 3, "minute": 0}
